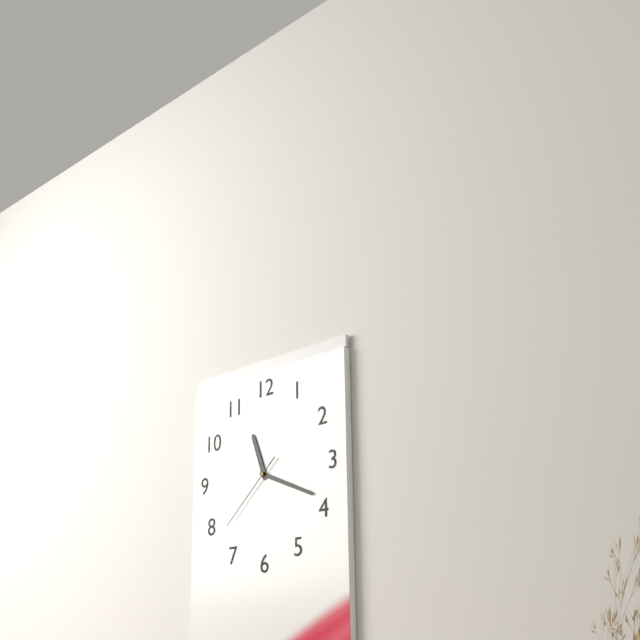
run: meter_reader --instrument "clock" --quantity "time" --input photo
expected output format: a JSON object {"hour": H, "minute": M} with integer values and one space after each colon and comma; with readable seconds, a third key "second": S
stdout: {"hour": 11, "minute": 19, "second": 38}
